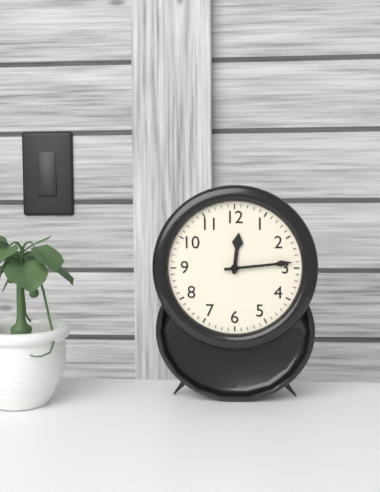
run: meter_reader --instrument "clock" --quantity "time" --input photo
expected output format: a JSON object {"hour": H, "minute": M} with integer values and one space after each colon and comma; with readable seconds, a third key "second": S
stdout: {"hour": 12, "minute": 14}
